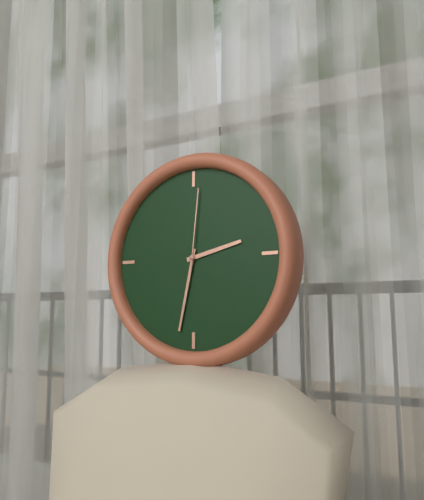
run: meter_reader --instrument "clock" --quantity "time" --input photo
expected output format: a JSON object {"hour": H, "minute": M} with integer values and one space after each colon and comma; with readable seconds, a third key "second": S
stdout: {"hour": 2, "minute": 32, "second": 1}
